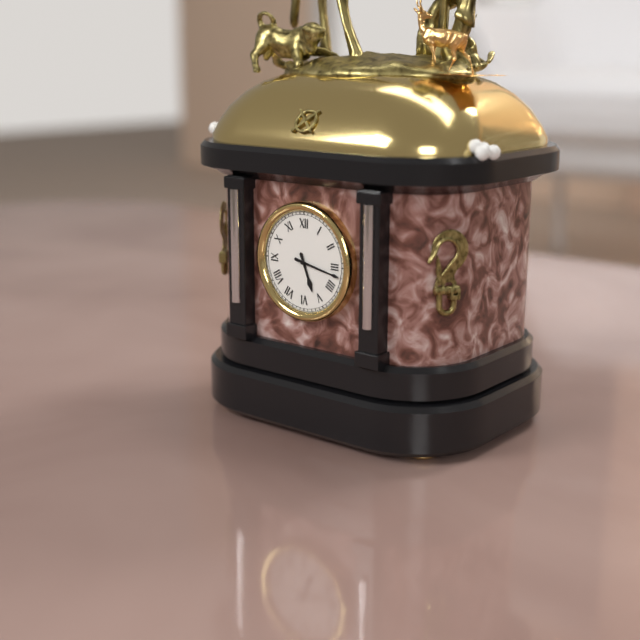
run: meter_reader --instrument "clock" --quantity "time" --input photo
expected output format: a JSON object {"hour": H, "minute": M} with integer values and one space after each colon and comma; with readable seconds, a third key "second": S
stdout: {"hour": 5, "minute": 17}
